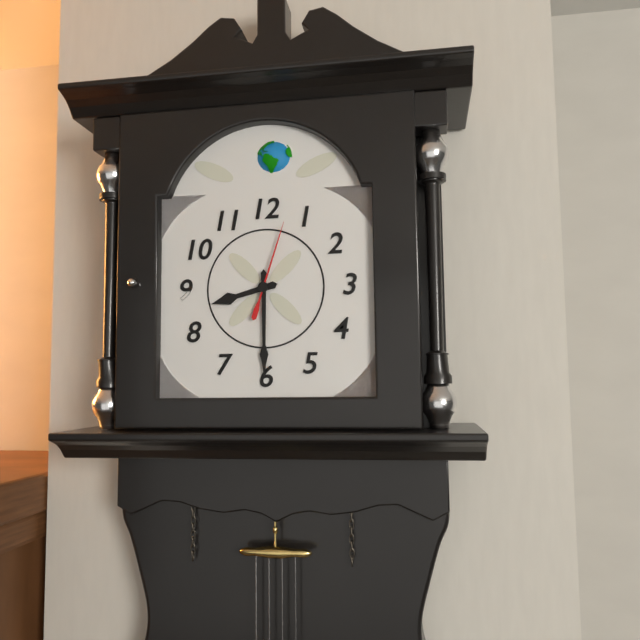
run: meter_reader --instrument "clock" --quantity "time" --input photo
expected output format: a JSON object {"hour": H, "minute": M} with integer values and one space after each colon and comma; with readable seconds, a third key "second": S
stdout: {"hour": 8, "minute": 30, "second": 3}
